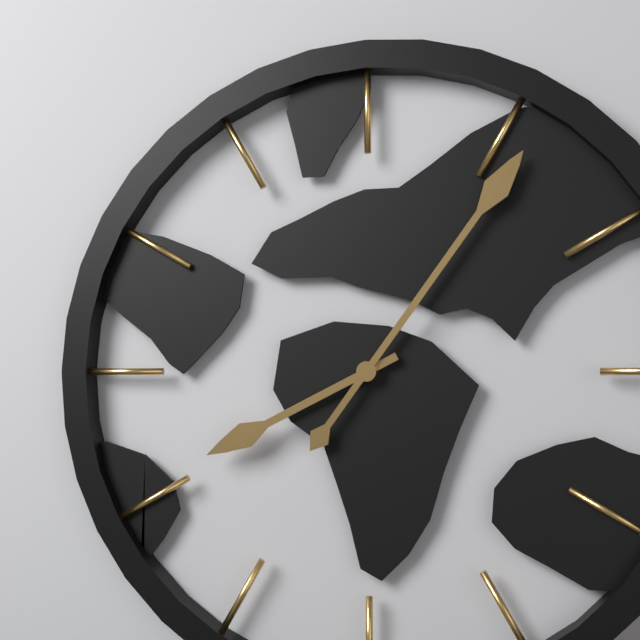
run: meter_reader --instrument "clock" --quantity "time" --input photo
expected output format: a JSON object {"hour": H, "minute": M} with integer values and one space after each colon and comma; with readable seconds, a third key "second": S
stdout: {"hour": 8, "minute": 6}
